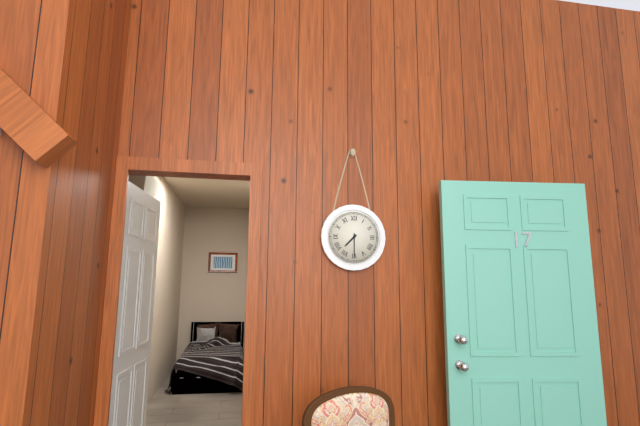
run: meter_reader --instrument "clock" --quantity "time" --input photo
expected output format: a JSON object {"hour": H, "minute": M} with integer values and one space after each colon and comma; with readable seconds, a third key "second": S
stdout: {"hour": 7, "minute": 30}
